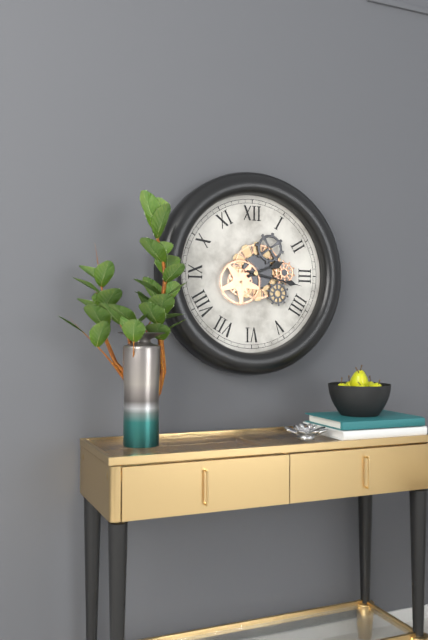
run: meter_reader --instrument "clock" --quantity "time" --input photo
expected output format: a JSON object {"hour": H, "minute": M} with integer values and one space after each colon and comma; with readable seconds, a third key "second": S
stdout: {"hour": 2, "minute": 17}
